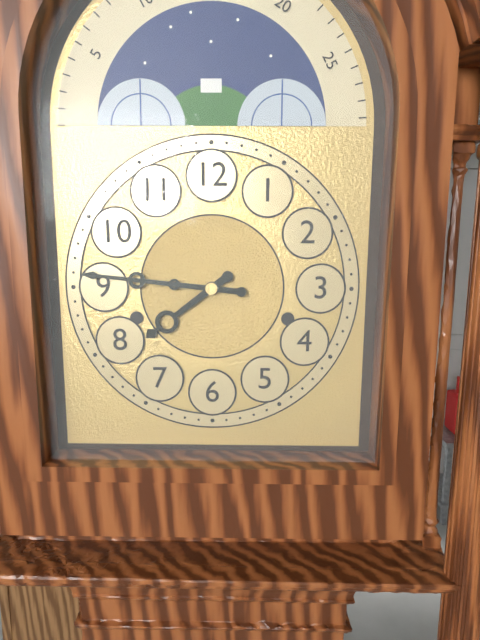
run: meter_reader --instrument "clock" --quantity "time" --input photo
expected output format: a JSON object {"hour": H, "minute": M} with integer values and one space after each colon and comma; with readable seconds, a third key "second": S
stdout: {"hour": 7, "minute": 46}
